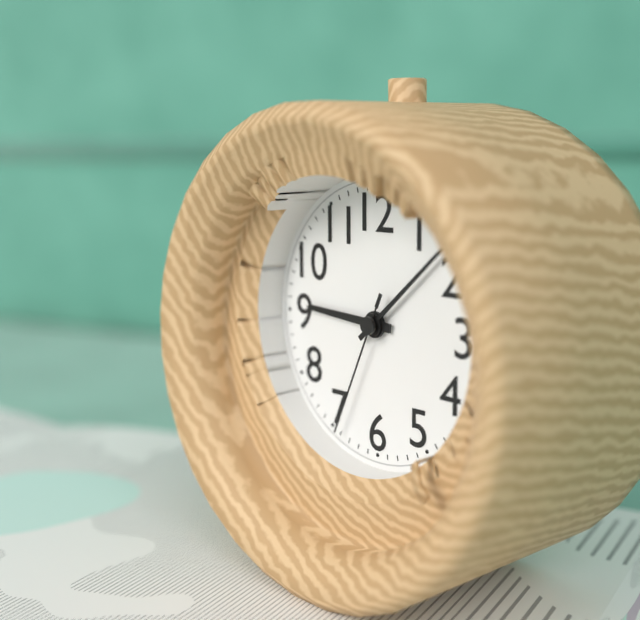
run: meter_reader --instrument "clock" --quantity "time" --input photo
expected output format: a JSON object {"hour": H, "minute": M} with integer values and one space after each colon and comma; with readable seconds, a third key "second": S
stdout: {"hour": 9, "minute": 8, "second": 34}
